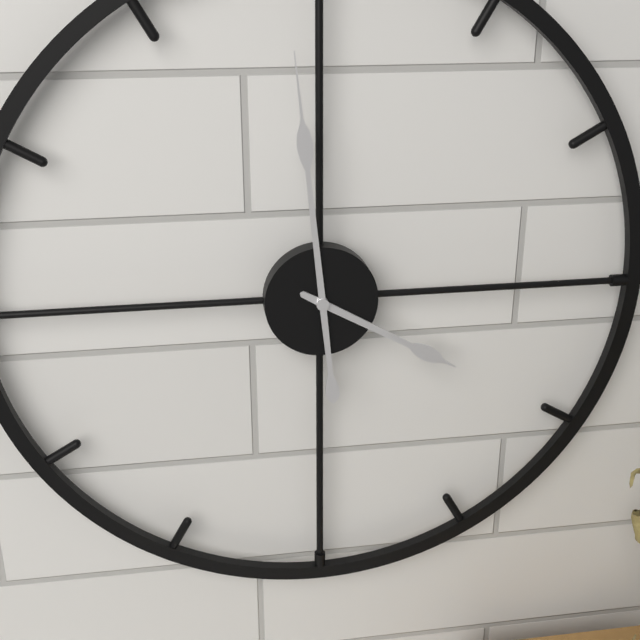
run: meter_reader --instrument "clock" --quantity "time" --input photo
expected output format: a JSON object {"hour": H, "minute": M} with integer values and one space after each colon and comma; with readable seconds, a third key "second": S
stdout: {"hour": 3, "minute": 59}
